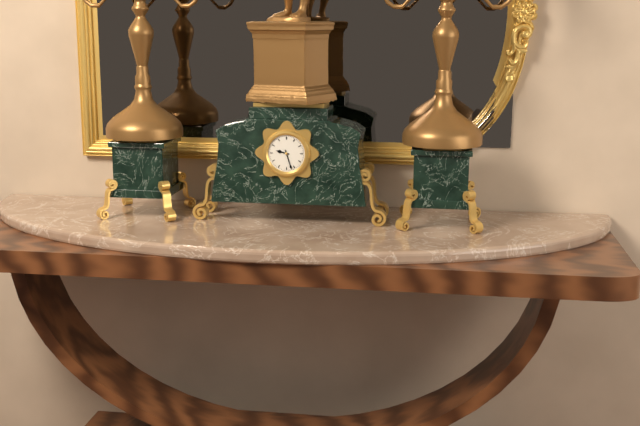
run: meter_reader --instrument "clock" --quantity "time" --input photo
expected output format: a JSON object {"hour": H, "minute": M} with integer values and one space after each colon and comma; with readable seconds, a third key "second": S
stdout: {"hour": 9, "minute": 27}
